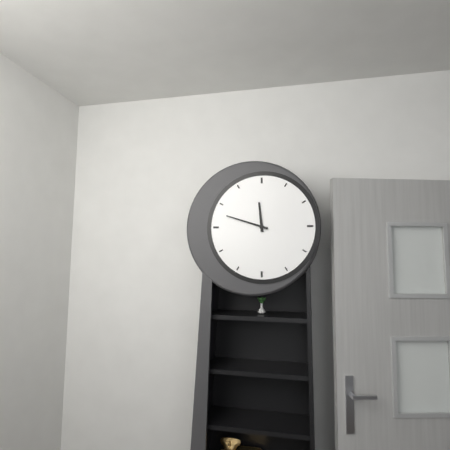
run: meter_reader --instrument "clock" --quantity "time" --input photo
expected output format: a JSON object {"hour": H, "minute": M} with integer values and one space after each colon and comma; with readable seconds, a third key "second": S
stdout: {"hour": 11, "minute": 48}
